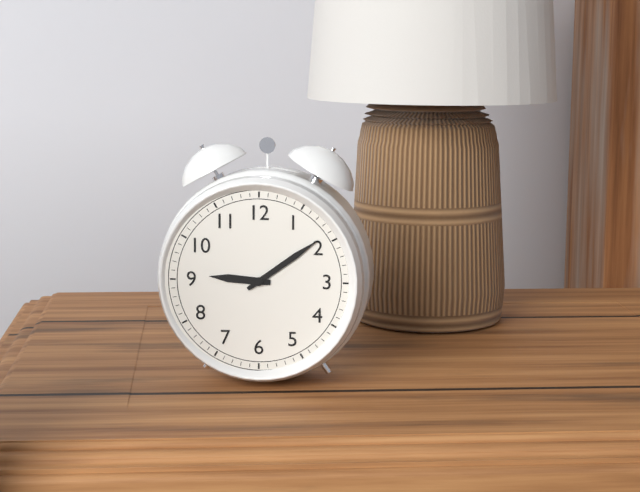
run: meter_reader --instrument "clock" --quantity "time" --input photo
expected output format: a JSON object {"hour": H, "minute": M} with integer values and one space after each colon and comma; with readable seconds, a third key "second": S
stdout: {"hour": 9, "minute": 9}
